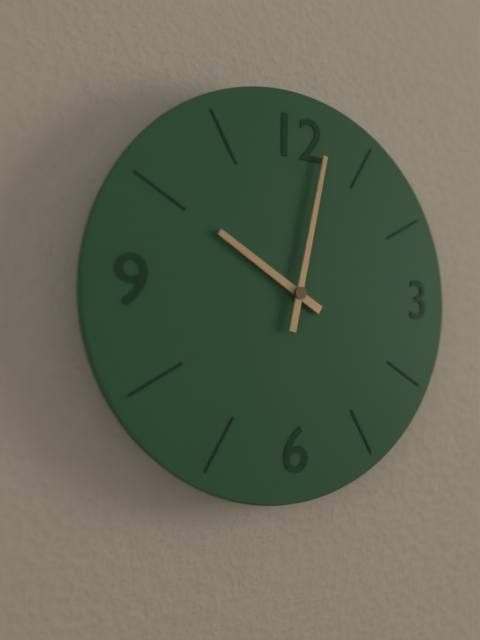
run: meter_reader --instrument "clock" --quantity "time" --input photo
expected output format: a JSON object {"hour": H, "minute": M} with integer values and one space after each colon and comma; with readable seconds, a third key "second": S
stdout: {"hour": 10, "minute": 2}
